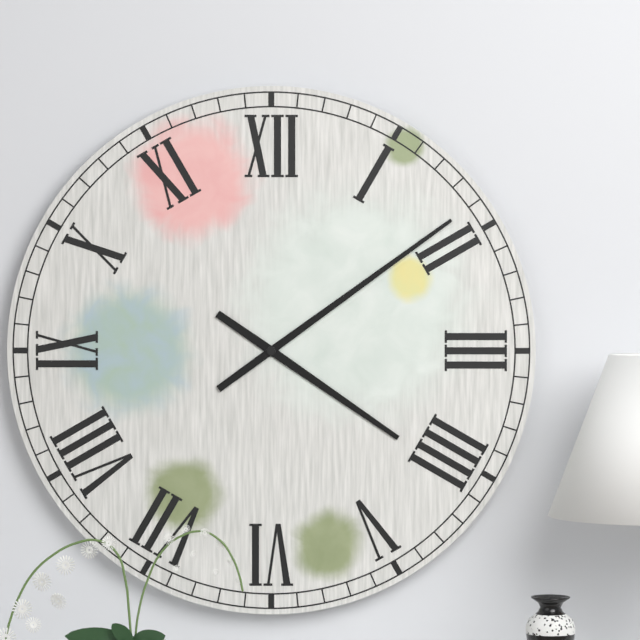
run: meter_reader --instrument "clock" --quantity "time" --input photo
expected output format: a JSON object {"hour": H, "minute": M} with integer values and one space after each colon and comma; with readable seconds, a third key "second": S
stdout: {"hour": 4, "minute": 9}
